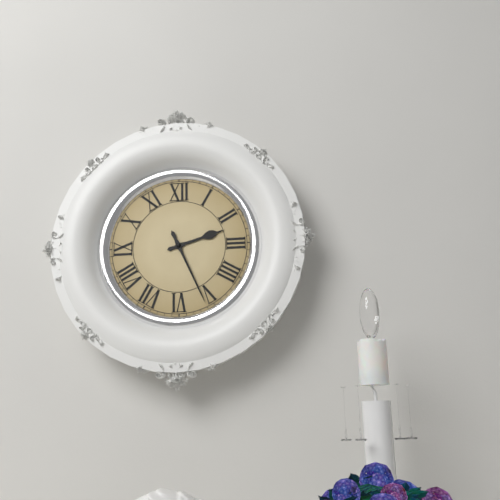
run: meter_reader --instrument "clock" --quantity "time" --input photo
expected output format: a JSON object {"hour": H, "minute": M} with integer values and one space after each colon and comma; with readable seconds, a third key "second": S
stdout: {"hour": 2, "minute": 26}
